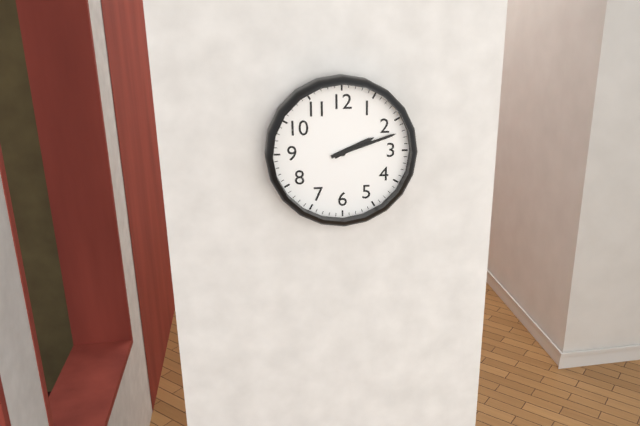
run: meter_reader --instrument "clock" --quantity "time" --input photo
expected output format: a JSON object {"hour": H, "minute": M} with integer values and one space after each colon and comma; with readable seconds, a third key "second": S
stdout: {"hour": 2, "minute": 12}
